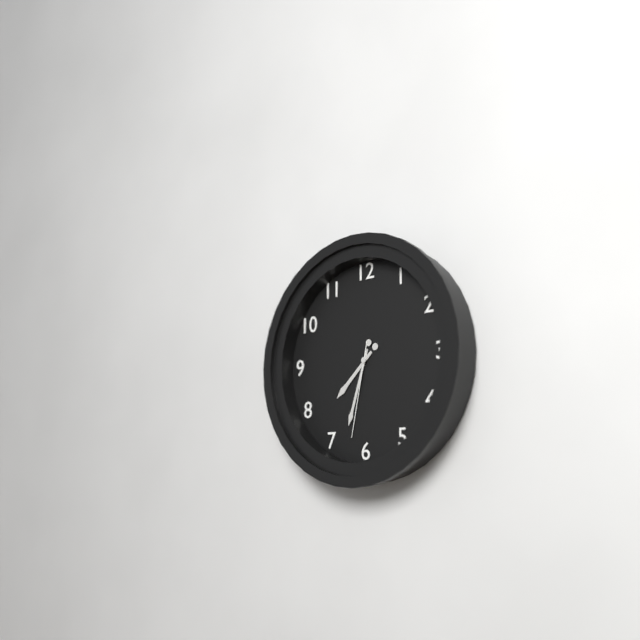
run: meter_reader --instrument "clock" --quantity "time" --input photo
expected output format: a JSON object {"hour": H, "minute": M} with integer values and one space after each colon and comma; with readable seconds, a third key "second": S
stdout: {"hour": 7, "minute": 33, "second": 32}
